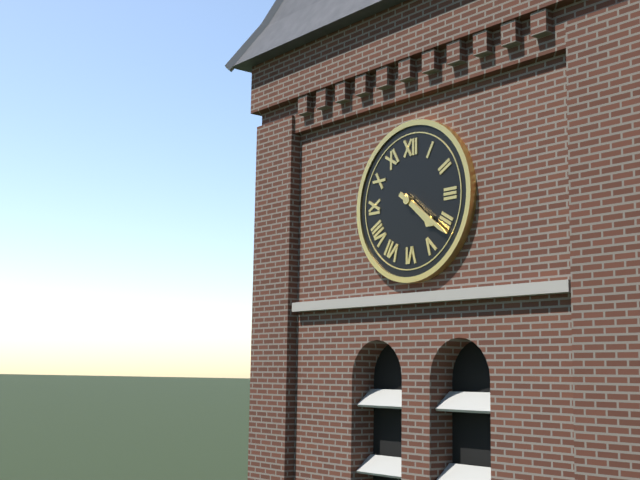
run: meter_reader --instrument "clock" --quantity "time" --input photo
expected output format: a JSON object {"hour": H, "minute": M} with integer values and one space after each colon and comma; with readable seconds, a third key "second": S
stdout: {"hour": 4, "minute": 21}
